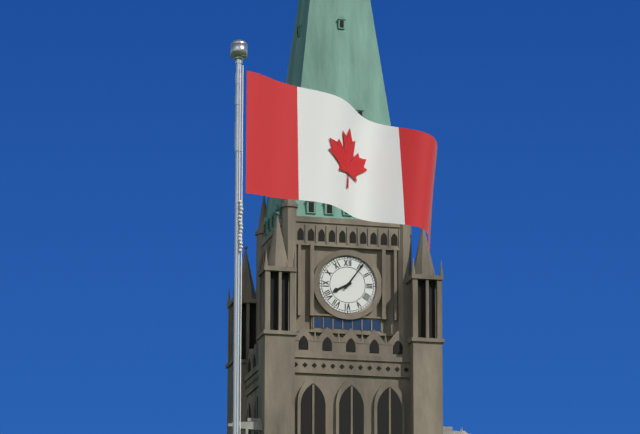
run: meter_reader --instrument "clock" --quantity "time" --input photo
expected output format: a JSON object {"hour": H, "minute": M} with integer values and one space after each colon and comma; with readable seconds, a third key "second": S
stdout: {"hour": 8, "minute": 6}
